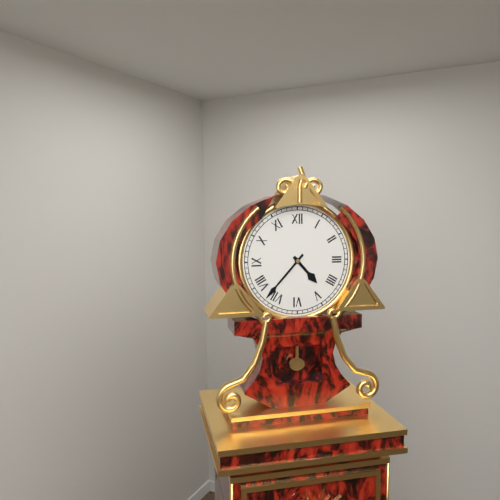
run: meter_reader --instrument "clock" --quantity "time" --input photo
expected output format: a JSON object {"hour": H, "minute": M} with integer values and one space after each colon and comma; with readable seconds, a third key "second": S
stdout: {"hour": 4, "minute": 37}
